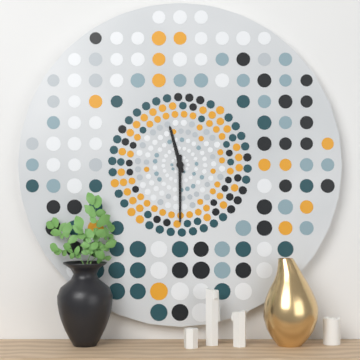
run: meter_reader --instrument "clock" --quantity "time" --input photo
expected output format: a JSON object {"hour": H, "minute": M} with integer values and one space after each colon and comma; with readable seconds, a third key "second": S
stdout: {"hour": 11, "minute": 30}
